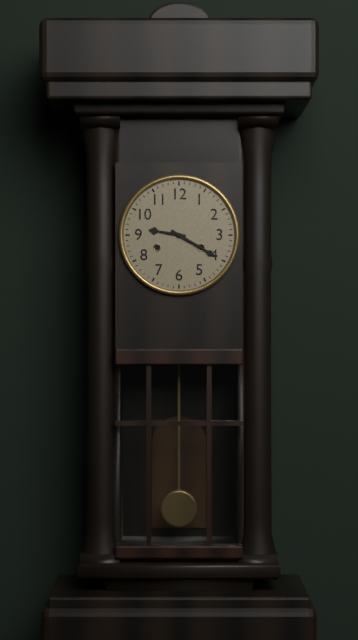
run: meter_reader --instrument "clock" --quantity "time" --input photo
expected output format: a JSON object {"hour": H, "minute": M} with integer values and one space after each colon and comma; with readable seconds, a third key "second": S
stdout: {"hour": 9, "minute": 20}
